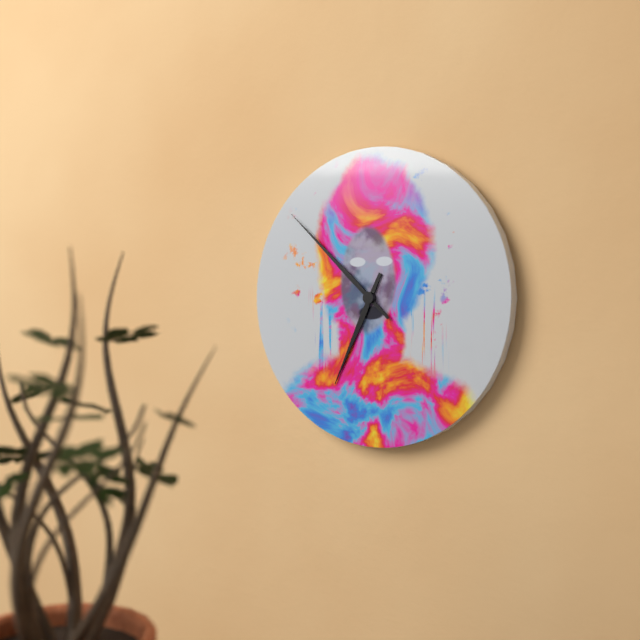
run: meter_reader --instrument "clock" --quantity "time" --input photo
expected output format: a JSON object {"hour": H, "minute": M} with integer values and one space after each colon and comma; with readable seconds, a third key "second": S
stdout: {"hour": 6, "minute": 52}
